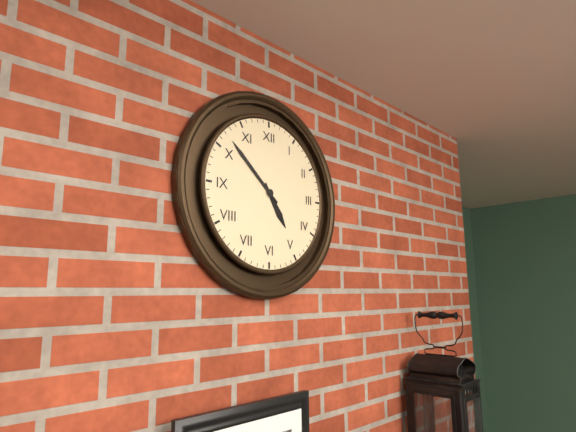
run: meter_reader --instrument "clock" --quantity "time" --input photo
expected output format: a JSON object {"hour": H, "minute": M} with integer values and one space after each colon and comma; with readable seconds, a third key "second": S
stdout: {"hour": 4, "minute": 52}
